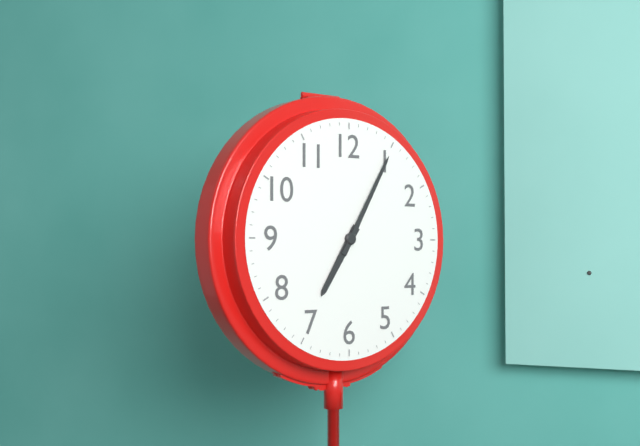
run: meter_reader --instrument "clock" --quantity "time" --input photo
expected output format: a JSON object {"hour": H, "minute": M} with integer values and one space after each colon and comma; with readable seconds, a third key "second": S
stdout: {"hour": 7, "minute": 5}
